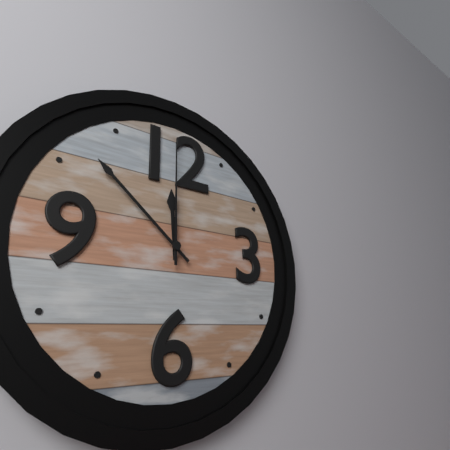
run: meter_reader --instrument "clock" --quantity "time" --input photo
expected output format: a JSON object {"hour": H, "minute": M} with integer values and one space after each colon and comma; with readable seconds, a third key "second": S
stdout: {"hour": 11, "minute": 52, "second": 0}
